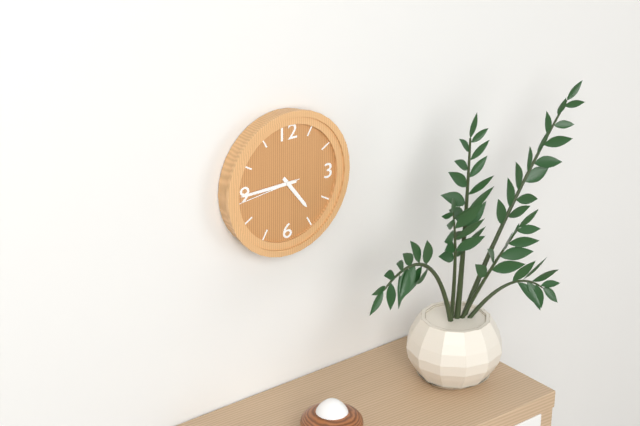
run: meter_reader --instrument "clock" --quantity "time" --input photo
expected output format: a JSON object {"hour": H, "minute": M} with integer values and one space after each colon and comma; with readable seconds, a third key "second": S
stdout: {"hour": 4, "minute": 45, "second": 44}
